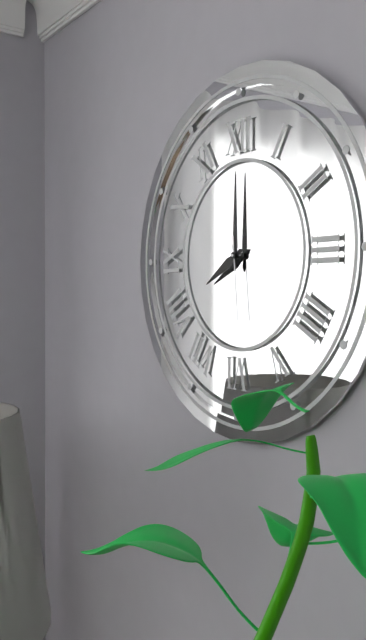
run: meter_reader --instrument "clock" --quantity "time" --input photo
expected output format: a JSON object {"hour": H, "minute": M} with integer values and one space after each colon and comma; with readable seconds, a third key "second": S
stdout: {"hour": 8, "minute": 0, "second": 29}
